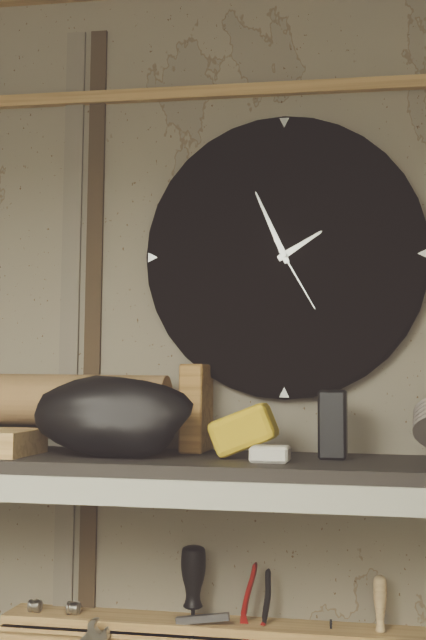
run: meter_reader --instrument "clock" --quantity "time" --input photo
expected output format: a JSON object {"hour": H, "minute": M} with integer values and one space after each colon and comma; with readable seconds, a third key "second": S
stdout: {"hour": 1, "minute": 56, "second": 25}
